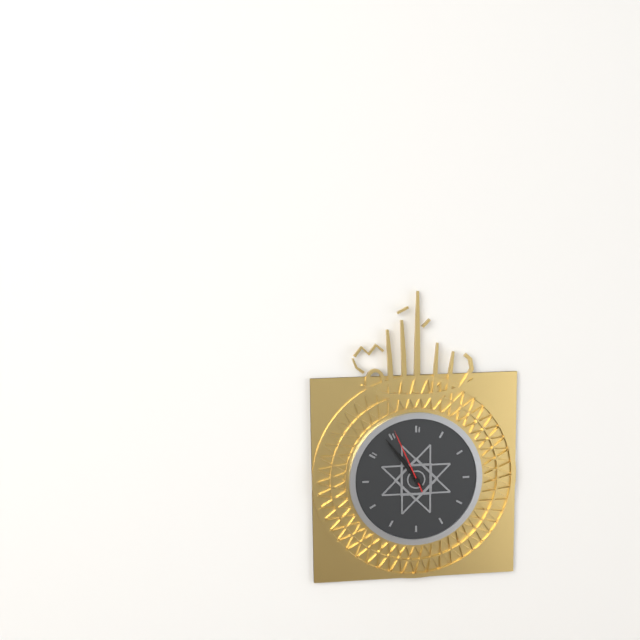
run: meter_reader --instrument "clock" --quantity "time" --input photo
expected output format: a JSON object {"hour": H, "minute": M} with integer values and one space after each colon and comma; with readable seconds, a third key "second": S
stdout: {"hour": 10, "minute": 54, "second": 56}
